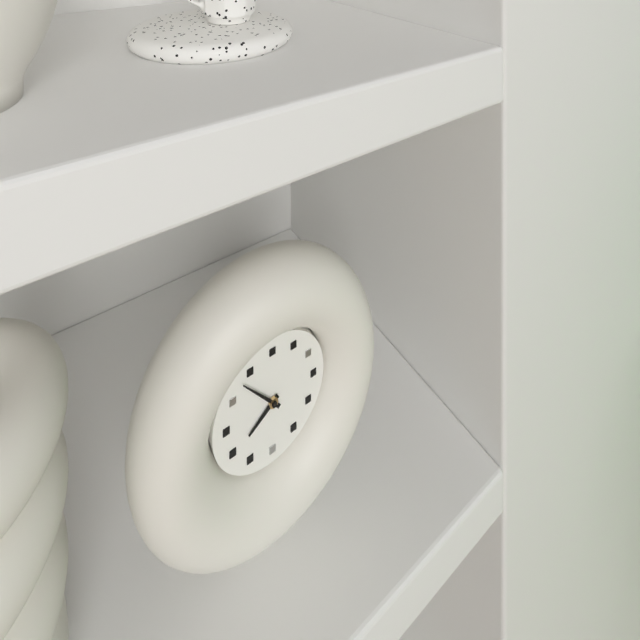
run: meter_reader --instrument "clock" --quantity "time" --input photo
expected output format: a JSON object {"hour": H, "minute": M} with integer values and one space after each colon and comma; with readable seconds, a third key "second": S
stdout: {"hour": 7, "minute": 53}
